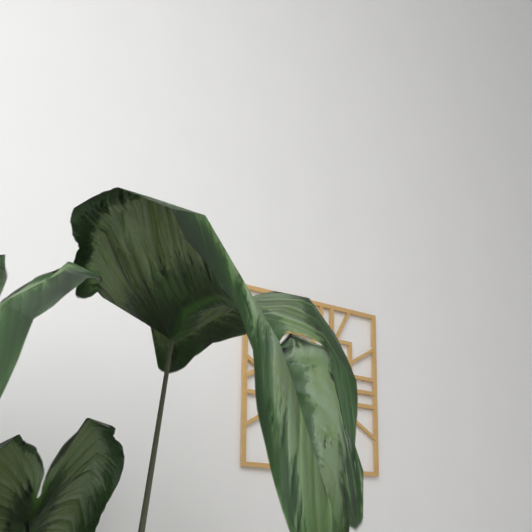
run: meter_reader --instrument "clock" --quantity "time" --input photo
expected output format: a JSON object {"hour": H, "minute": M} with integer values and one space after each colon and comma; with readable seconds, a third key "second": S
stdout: {"hour": 11, "minute": 28}
